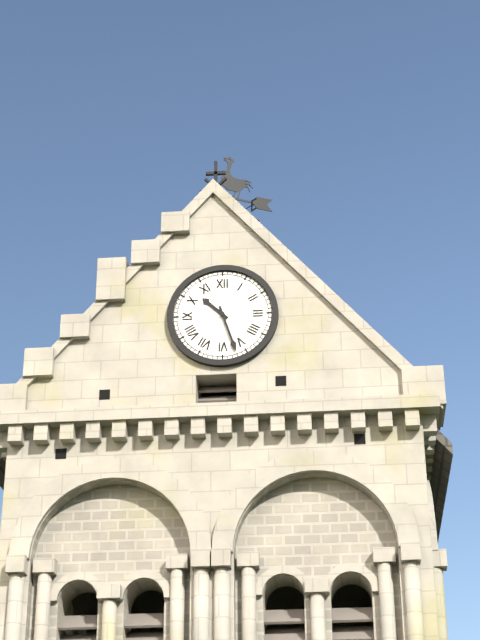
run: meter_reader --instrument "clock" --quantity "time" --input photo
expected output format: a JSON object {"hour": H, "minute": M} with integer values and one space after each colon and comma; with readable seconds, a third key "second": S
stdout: {"hour": 10, "minute": 27}
